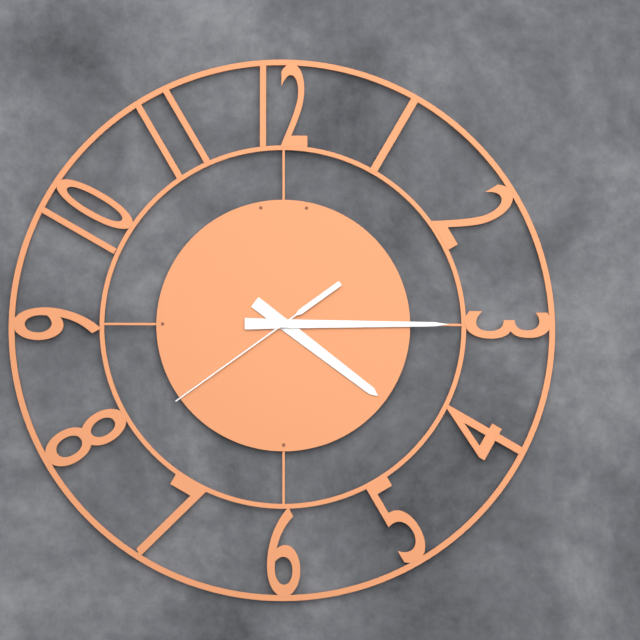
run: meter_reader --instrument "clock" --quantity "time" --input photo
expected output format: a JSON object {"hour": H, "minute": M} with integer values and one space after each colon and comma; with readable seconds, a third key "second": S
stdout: {"hour": 4, "minute": 15, "second": 39}
